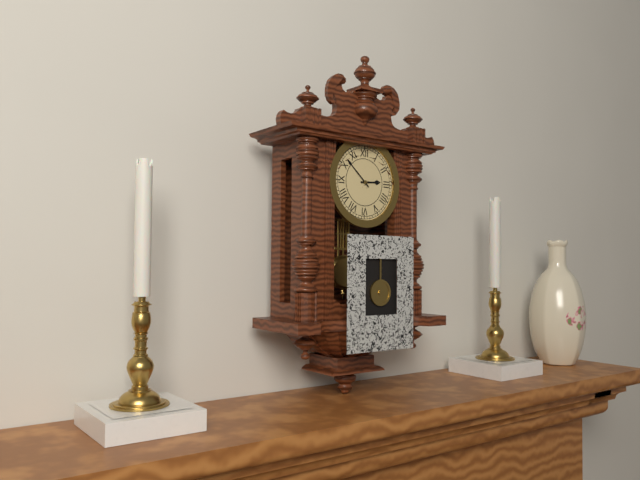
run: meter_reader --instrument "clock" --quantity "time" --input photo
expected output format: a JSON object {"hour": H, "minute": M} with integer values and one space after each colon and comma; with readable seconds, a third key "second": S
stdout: {"hour": 2, "minute": 52}
